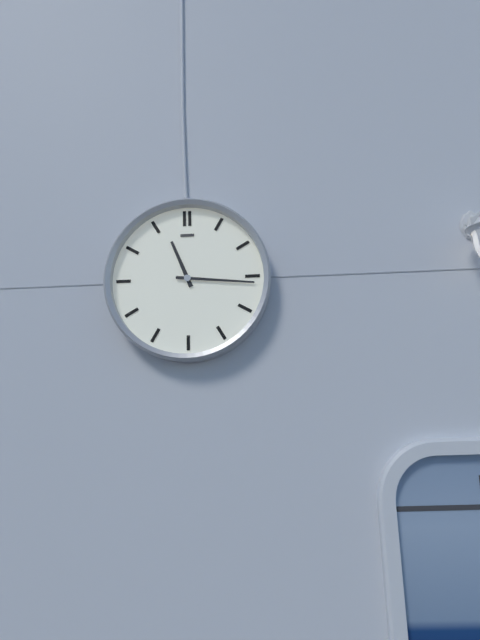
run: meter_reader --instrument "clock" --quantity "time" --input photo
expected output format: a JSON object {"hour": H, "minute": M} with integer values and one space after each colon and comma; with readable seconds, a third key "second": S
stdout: {"hour": 11, "minute": 16}
